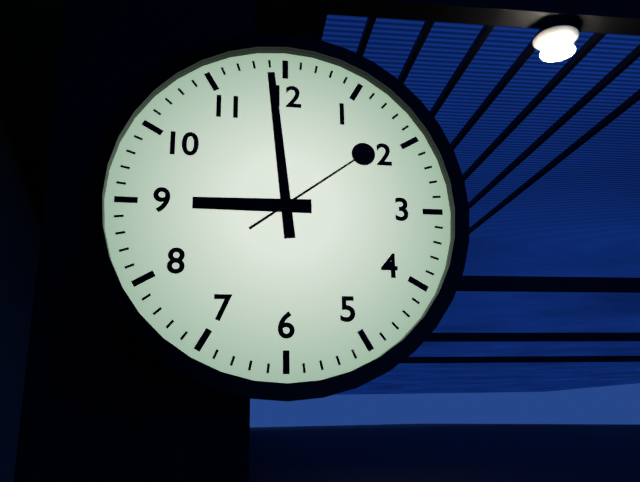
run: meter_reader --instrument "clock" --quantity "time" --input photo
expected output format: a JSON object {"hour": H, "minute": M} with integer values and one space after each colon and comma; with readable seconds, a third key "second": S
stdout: {"hour": 8, "minute": 59, "second": 9}
